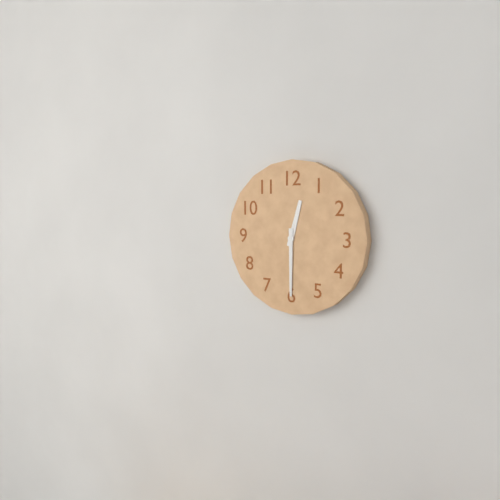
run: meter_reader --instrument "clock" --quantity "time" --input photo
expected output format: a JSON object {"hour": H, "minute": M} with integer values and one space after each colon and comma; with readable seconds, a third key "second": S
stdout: {"hour": 12, "minute": 30}
